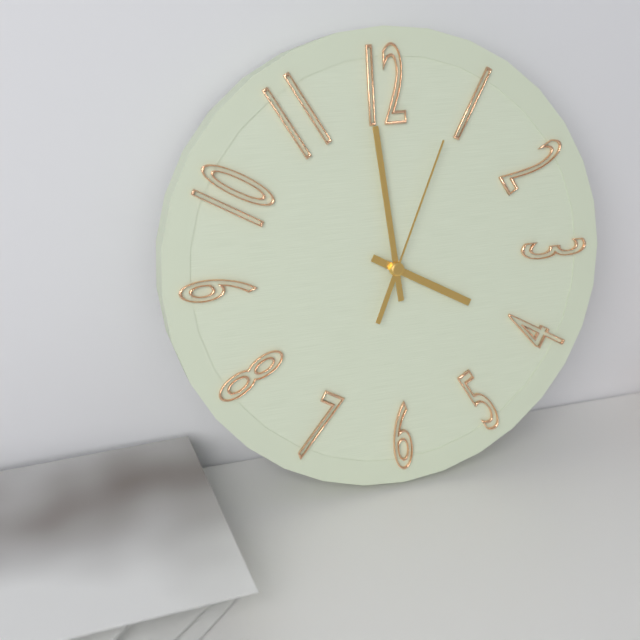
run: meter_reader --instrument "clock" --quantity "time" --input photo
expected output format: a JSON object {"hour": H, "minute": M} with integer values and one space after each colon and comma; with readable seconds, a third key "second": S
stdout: {"hour": 3, "minute": 59, "second": 4}
